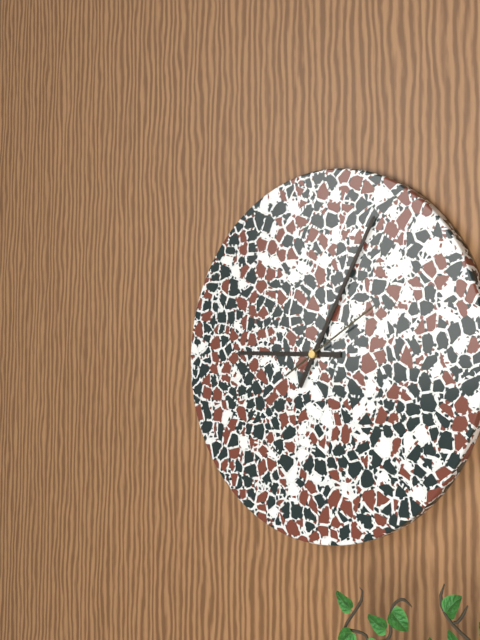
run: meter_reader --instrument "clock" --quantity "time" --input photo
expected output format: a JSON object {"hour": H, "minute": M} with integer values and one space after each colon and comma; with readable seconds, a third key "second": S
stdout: {"hour": 9, "minute": 5, "second": 10}
